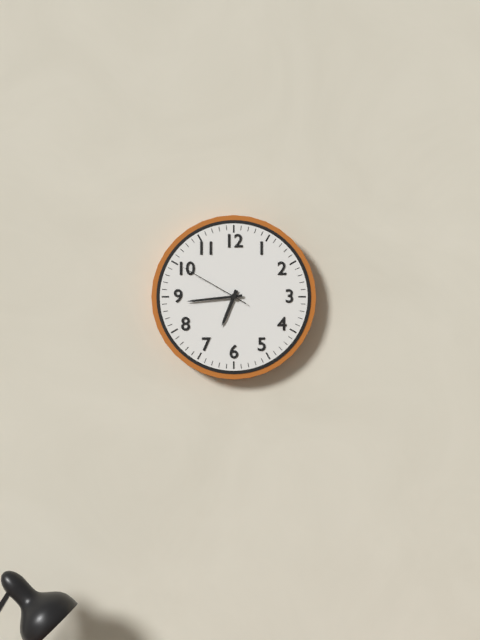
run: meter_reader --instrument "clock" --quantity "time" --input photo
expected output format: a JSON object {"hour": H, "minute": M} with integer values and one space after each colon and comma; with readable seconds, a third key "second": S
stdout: {"hour": 6, "minute": 44, "second": 50}
